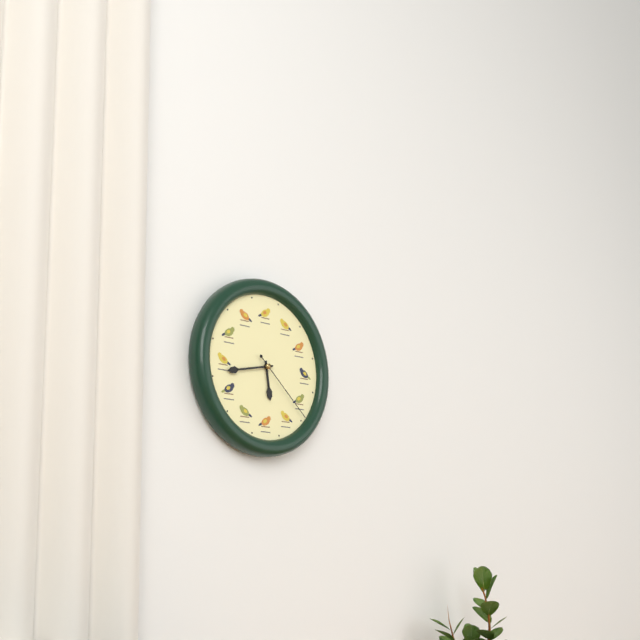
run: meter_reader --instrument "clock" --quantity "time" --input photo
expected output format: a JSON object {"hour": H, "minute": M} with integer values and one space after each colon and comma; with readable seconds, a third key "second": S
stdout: {"hour": 5, "minute": 43, "second": 22}
